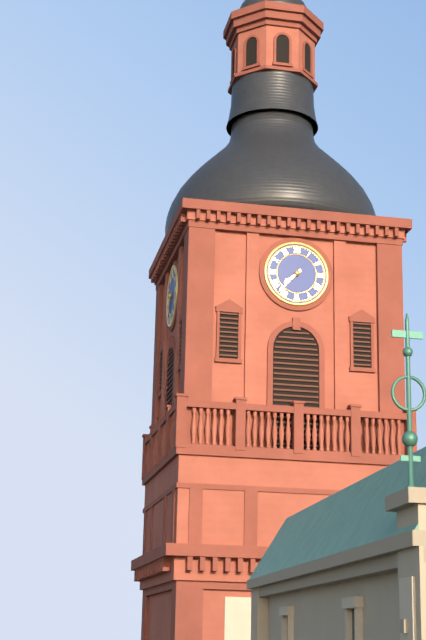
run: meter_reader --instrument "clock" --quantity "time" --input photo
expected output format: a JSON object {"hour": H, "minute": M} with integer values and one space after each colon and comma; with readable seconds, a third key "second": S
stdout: {"hour": 7, "minute": 37}
